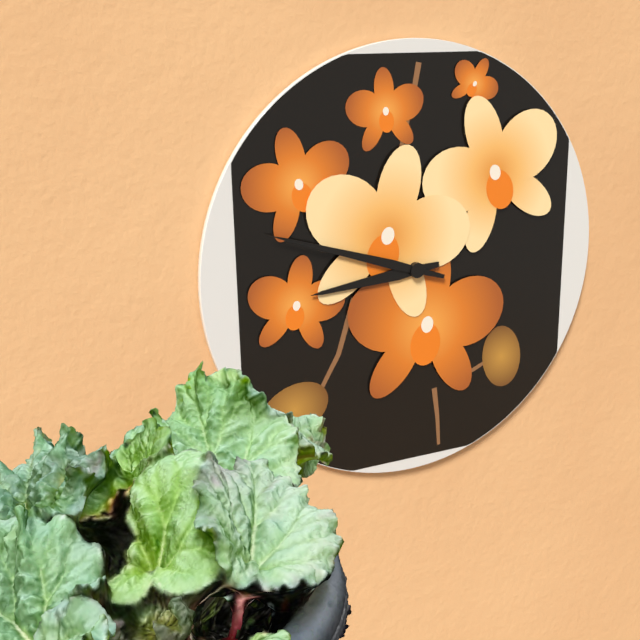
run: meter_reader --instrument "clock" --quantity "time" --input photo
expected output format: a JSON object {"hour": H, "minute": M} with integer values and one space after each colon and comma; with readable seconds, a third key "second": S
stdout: {"hour": 8, "minute": 48}
